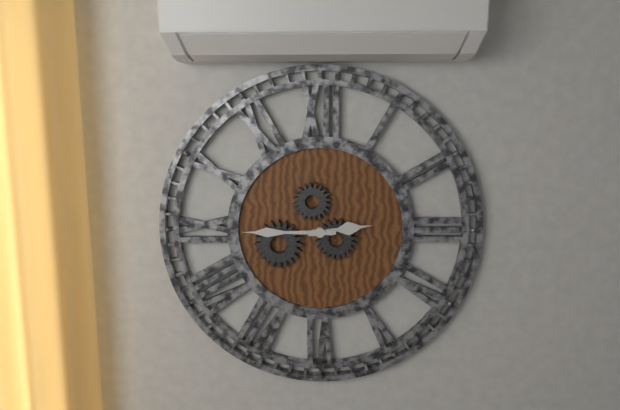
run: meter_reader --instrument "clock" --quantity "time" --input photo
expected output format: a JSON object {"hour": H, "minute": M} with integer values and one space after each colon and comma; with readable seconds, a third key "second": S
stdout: {"hour": 2, "minute": 45}
